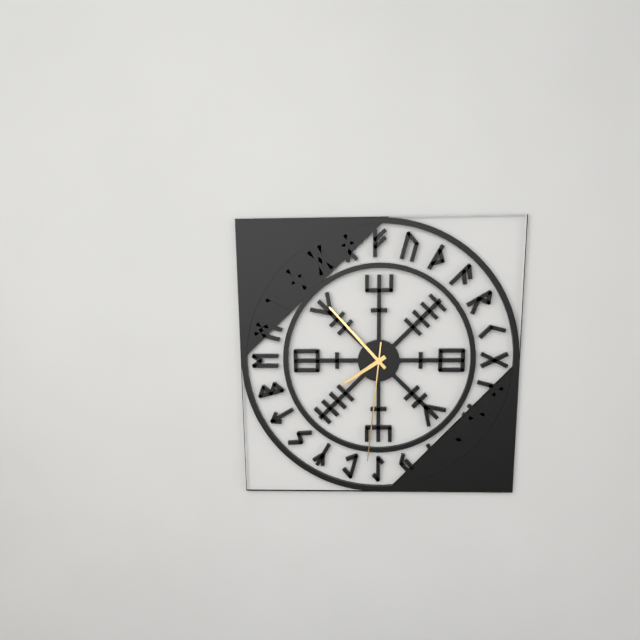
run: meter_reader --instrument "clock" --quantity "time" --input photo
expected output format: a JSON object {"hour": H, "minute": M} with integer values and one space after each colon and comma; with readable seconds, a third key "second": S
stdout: {"hour": 7, "minute": 53, "second": 31}
